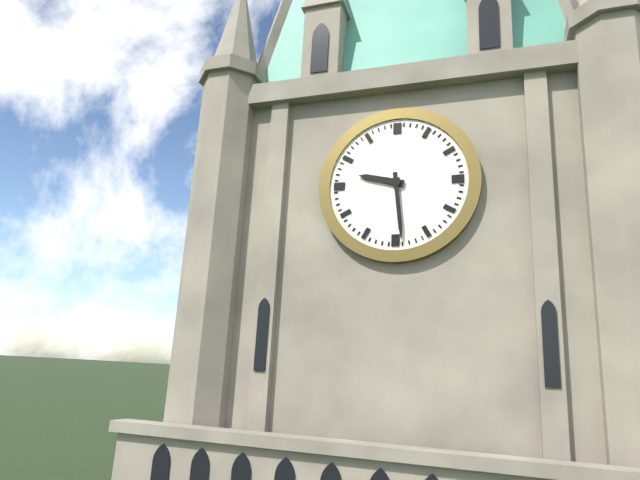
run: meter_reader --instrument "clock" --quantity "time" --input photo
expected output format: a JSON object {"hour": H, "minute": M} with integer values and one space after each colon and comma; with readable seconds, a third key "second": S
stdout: {"hour": 9, "minute": 29}
